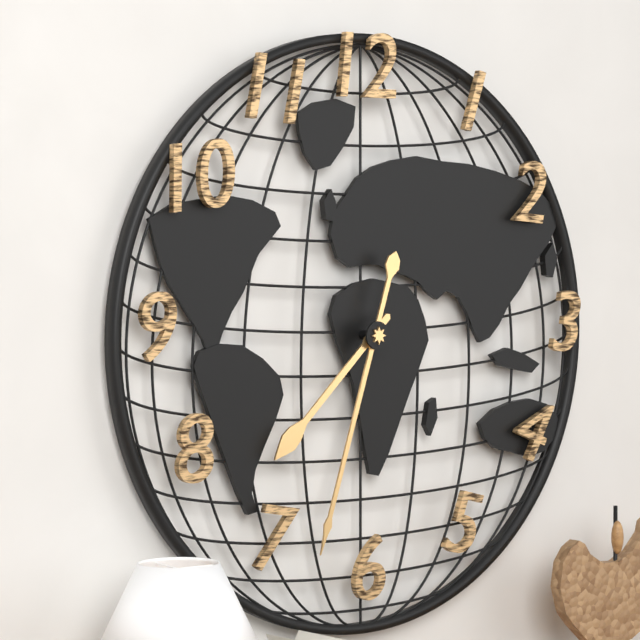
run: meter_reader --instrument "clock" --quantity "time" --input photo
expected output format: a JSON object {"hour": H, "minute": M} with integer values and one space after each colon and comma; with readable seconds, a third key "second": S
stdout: {"hour": 7, "minute": 33}
